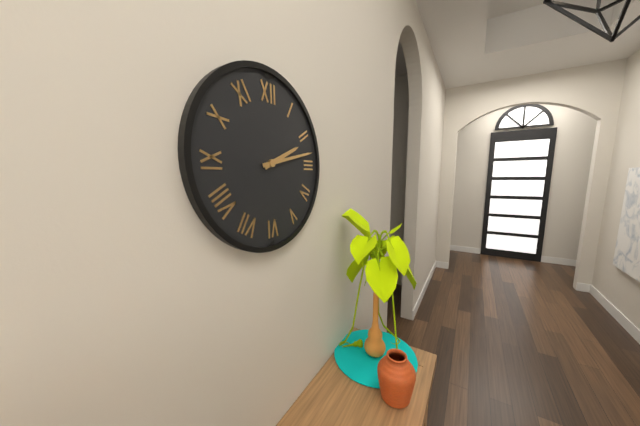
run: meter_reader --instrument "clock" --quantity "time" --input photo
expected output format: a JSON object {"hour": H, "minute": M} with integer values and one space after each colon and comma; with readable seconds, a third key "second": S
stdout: {"hour": 2, "minute": 13}
